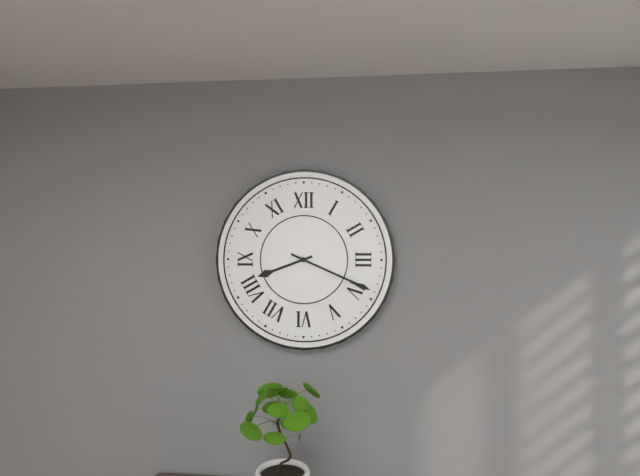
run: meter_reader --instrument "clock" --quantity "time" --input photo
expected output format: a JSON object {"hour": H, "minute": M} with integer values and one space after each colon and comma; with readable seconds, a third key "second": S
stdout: {"hour": 8, "minute": 19}
